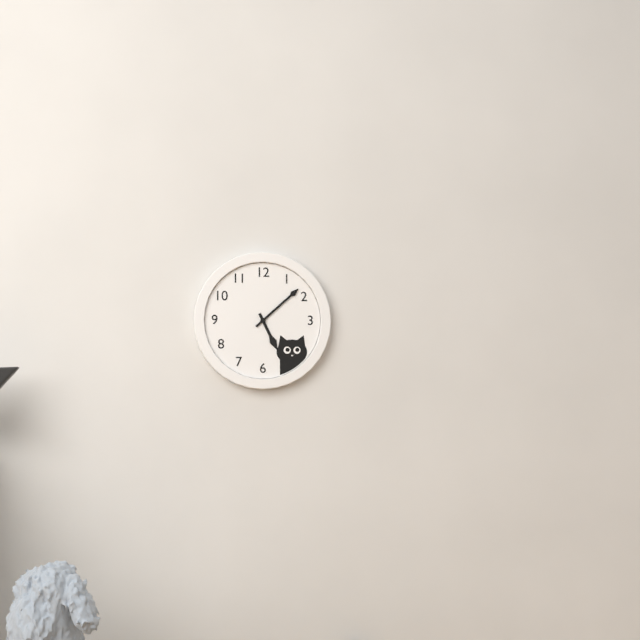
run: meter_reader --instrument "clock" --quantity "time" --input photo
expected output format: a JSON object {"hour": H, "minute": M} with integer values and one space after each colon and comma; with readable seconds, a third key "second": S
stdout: {"hour": 5, "minute": 8}
